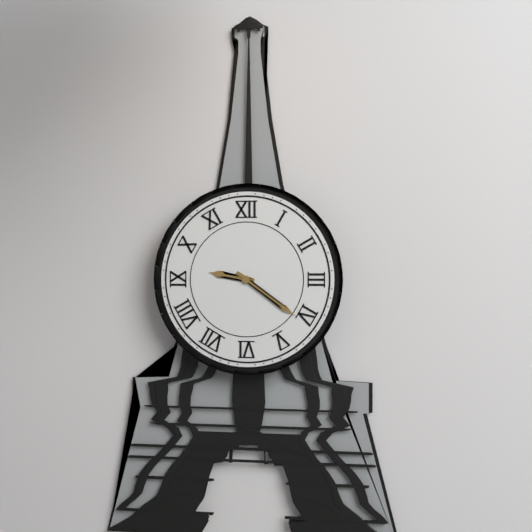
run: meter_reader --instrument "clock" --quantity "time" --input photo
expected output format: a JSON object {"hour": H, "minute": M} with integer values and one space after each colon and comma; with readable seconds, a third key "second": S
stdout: {"hour": 9, "minute": 21}
